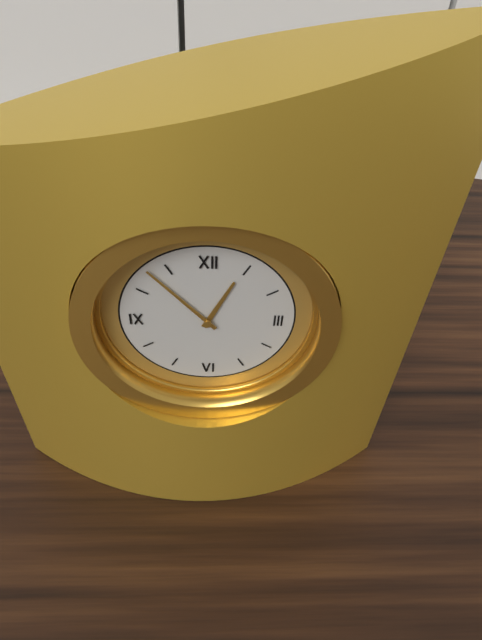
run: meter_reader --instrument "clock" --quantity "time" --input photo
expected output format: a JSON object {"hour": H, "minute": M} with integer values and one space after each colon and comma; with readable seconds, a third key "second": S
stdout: {"hour": 12, "minute": 53}
